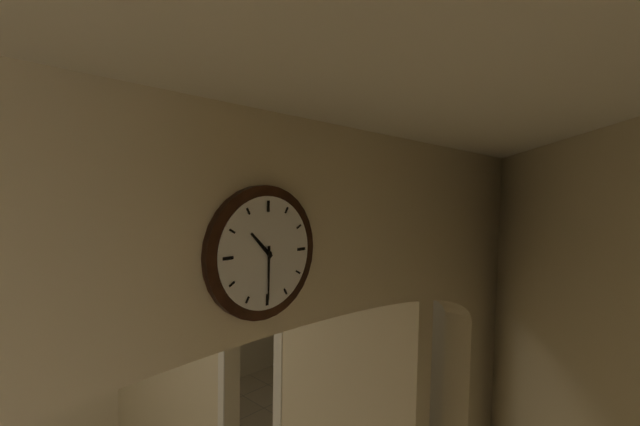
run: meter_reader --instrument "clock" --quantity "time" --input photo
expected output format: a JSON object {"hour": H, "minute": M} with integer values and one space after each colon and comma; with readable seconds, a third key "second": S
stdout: {"hour": 10, "minute": 30}
